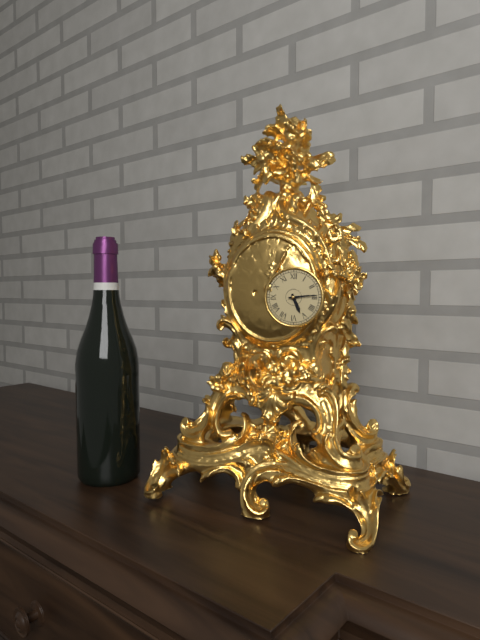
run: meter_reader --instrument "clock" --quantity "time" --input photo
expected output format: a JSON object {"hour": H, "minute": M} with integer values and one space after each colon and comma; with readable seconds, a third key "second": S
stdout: {"hour": 5, "minute": 14}
